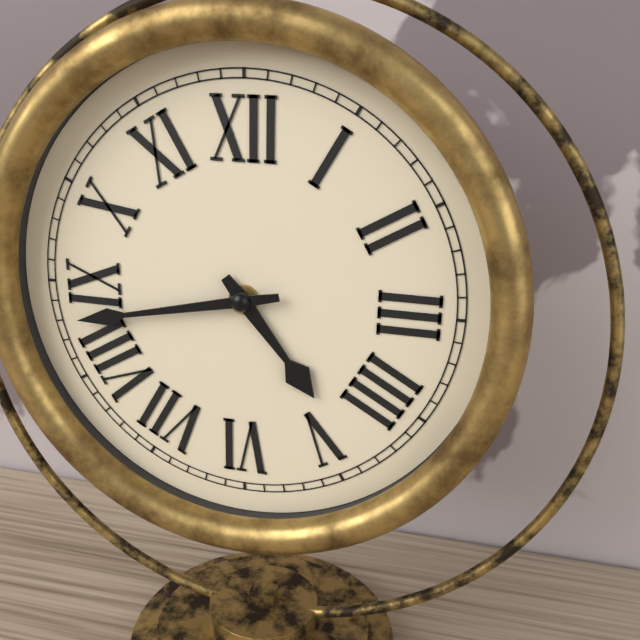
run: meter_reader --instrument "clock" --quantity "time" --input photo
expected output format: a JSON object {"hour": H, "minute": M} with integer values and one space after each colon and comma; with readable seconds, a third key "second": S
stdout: {"hour": 4, "minute": 43}
